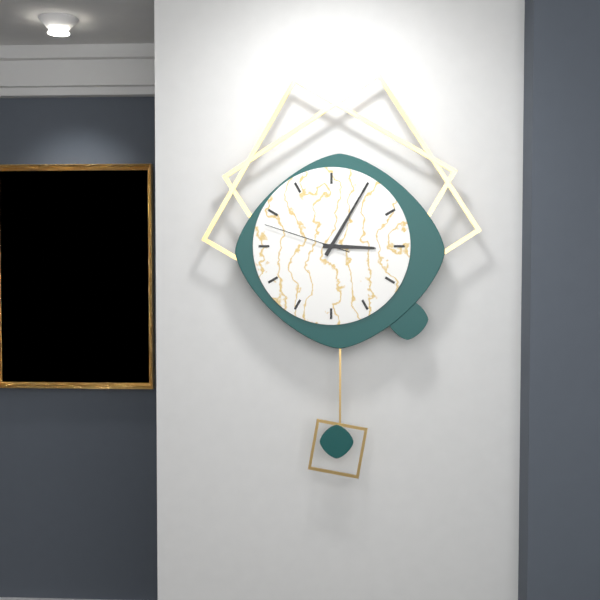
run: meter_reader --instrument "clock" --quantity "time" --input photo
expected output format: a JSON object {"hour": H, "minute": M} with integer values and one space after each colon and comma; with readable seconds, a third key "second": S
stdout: {"hour": 3, "minute": 5, "second": 48}
